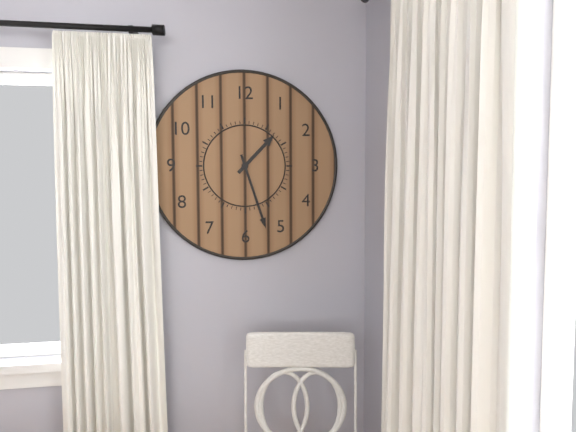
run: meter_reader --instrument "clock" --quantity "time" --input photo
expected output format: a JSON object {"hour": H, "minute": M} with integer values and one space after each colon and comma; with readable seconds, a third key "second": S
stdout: {"hour": 1, "minute": 27}
